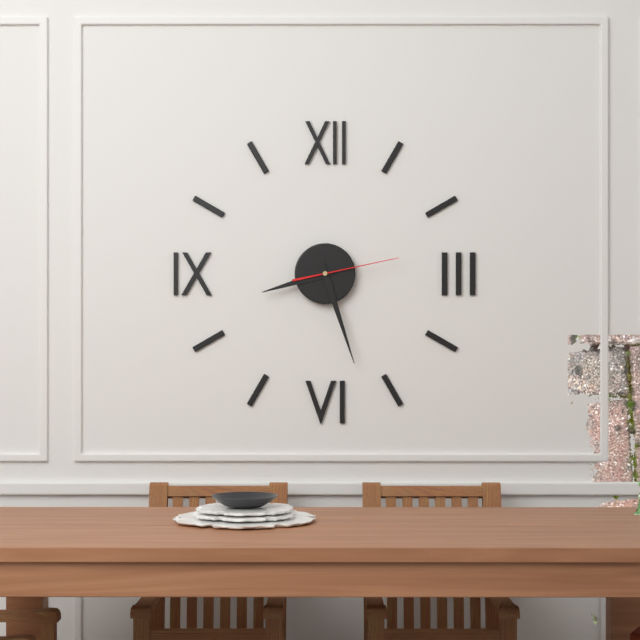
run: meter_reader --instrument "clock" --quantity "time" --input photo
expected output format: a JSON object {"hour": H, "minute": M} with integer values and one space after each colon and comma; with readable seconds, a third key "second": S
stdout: {"hour": 8, "minute": 27, "second": 13}
